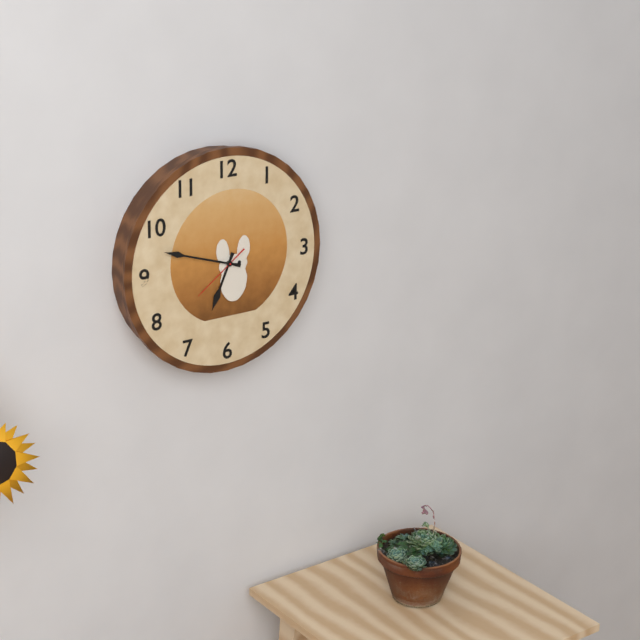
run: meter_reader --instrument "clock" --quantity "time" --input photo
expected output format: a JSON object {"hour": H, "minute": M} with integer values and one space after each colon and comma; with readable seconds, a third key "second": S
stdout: {"hour": 6, "minute": 48, "second": 39}
